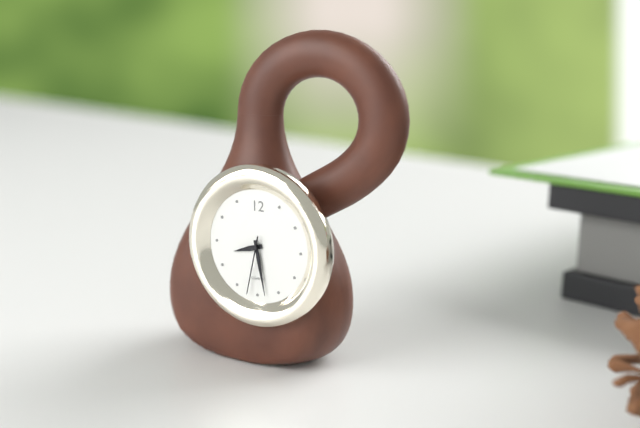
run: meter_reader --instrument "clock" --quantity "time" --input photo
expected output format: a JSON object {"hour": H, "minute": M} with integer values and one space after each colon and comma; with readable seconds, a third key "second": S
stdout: {"hour": 8, "minute": 28, "second": 32}
